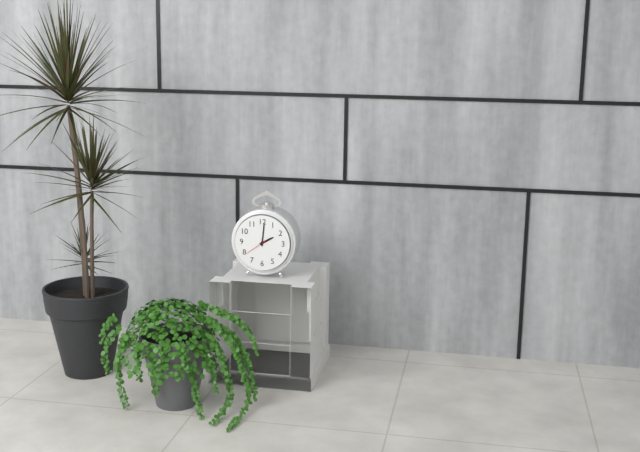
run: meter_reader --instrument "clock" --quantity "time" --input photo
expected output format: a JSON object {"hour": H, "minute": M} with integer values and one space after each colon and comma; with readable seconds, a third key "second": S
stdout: {"hour": 2, "minute": 1}
